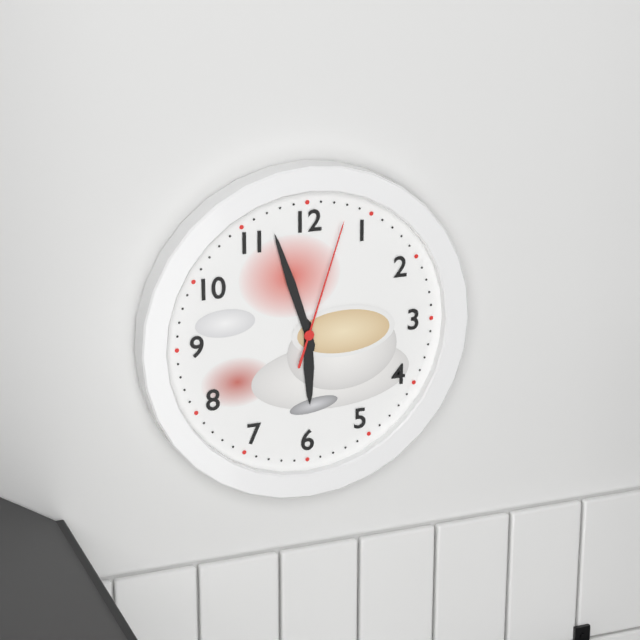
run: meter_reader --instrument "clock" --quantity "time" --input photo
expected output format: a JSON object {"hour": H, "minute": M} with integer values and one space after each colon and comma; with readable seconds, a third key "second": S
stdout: {"hour": 5, "minute": 57, "second": 3}
